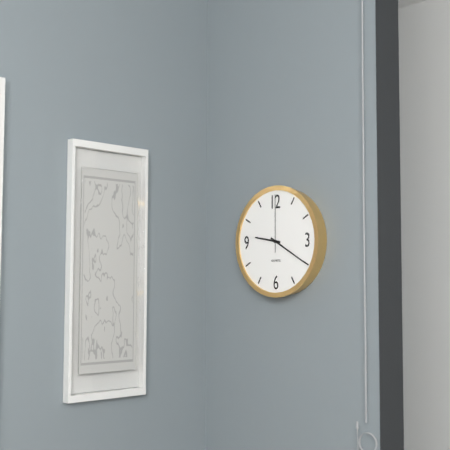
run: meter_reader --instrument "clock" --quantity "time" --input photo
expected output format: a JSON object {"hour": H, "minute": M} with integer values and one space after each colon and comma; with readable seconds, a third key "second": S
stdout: {"hour": 9, "minute": 20, "second": 0}
